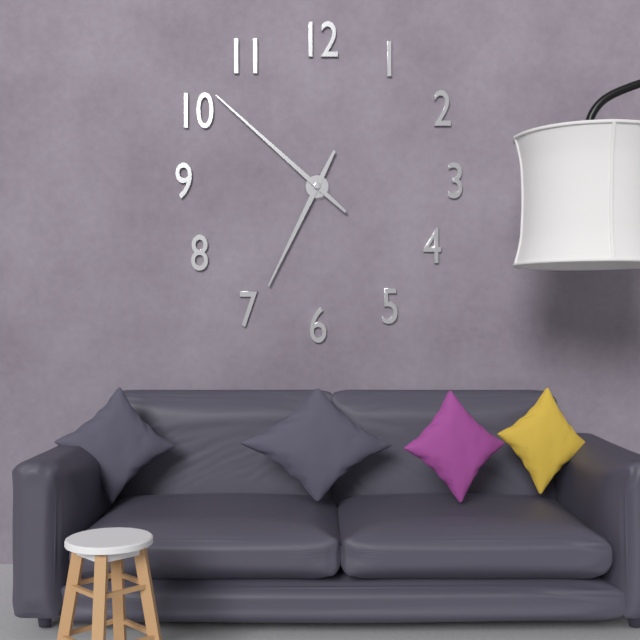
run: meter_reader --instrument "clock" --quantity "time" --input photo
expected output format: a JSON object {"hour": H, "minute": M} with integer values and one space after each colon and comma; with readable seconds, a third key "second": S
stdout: {"hour": 6, "minute": 52}
